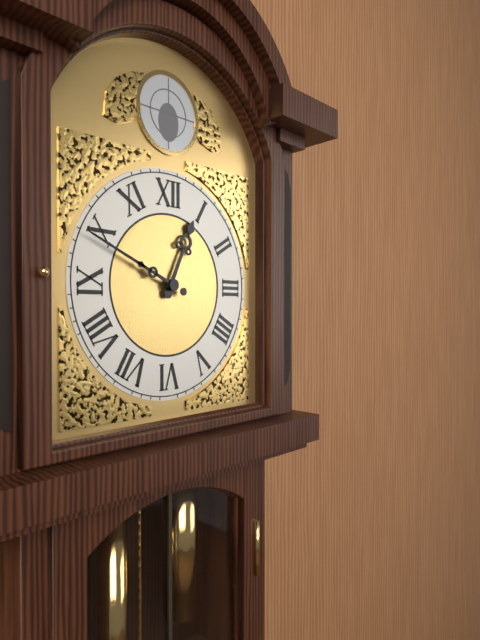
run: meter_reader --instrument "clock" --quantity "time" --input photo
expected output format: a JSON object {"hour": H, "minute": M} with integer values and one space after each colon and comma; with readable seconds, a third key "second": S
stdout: {"hour": 12, "minute": 49}
